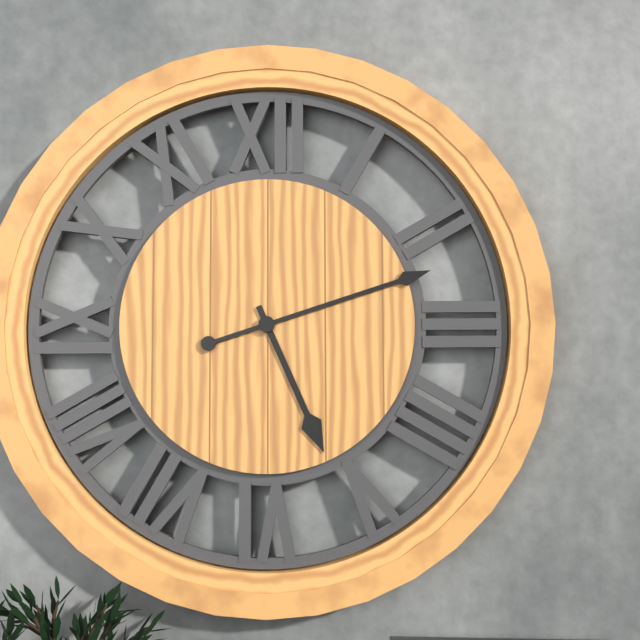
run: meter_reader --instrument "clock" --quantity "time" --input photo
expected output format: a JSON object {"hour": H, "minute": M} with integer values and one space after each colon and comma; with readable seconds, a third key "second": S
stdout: {"hour": 5, "minute": 12}
